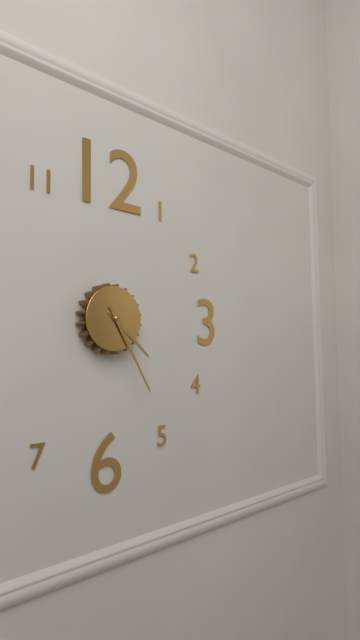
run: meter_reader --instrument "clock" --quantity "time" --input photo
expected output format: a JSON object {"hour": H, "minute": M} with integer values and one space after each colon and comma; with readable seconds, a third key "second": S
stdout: {"hour": 4, "minute": 25}
